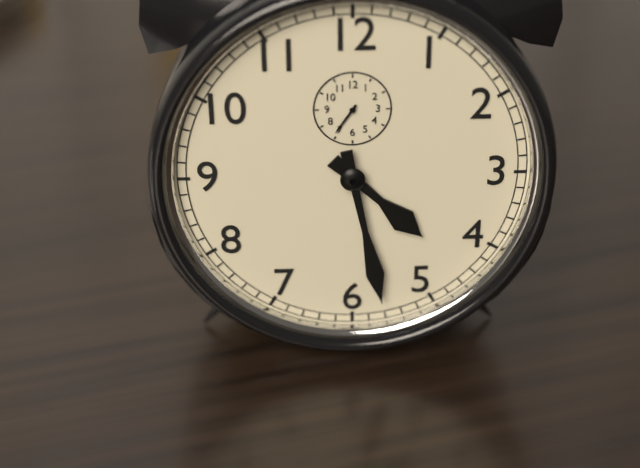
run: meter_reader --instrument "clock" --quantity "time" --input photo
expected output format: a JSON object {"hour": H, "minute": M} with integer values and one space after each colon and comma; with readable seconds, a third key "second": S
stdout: {"hour": 4, "minute": 28}
